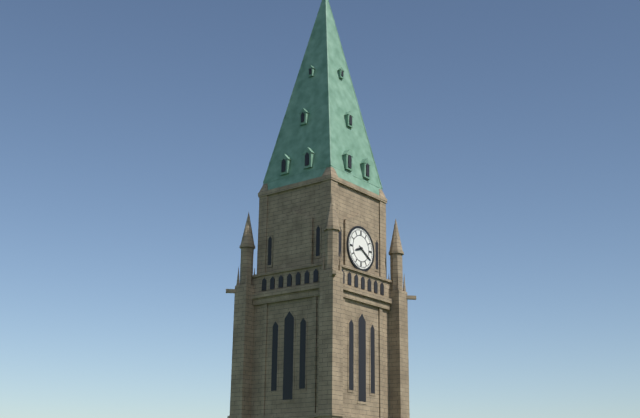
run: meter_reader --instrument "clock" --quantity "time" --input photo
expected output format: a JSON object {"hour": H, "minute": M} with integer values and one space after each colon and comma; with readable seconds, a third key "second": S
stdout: {"hour": 8, "minute": 20}
